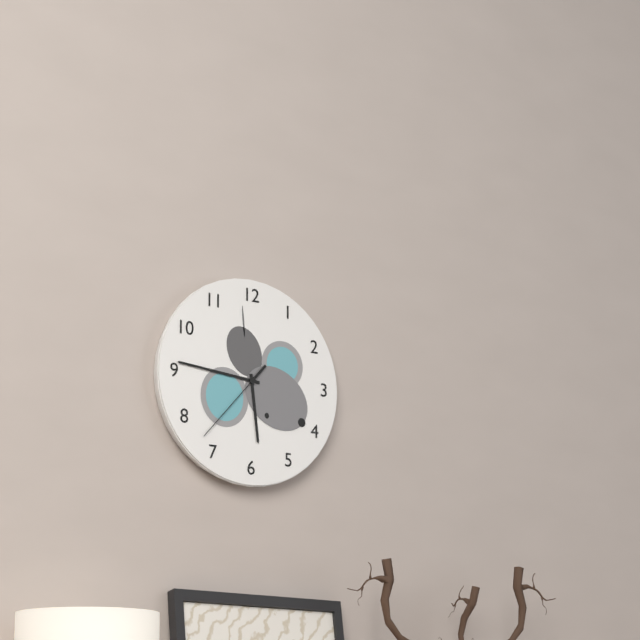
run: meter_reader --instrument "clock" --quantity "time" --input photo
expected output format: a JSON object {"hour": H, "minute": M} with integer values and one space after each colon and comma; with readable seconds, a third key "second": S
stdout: {"hour": 5, "minute": 46, "second": 37}
